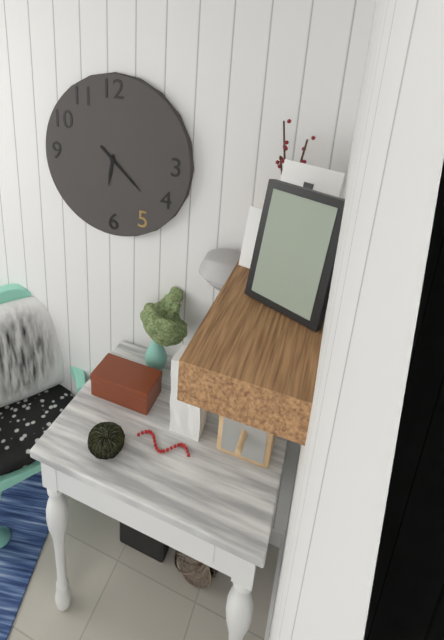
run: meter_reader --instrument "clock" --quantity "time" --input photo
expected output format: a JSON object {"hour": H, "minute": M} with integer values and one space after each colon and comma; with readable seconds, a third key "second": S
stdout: {"hour": 6, "minute": 22}
